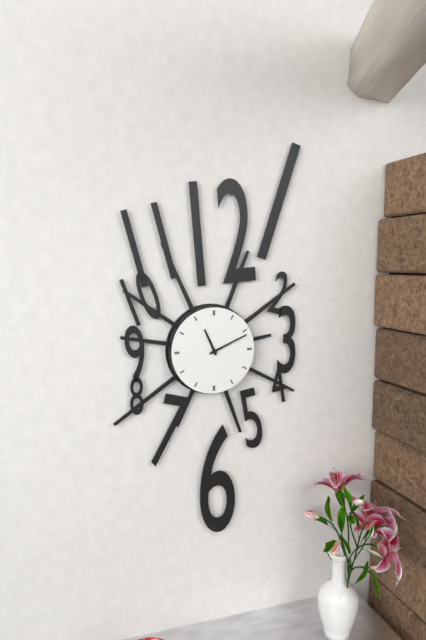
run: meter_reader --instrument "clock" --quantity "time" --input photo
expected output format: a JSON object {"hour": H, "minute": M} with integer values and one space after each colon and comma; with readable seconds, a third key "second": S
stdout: {"hour": 11, "minute": 11}
